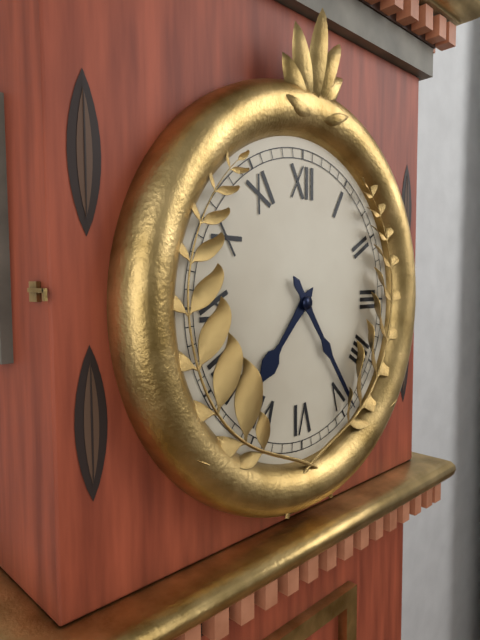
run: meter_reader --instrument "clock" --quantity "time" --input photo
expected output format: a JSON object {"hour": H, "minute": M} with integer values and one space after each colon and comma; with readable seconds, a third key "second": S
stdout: {"hour": 7, "minute": 24}
